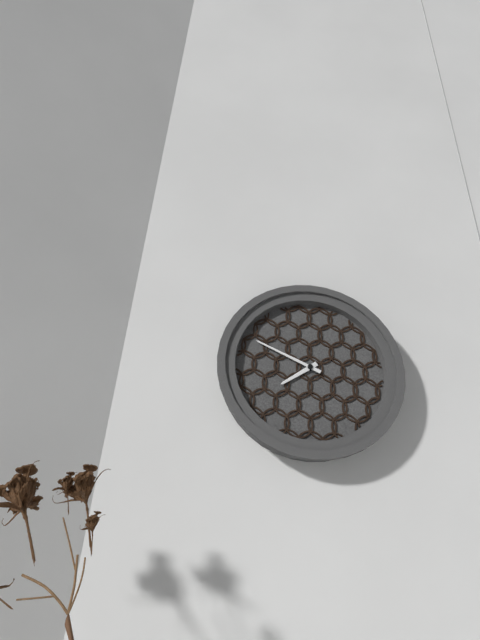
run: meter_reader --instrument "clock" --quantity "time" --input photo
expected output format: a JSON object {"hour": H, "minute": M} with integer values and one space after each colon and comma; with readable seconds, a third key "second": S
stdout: {"hour": 7, "minute": 49}
